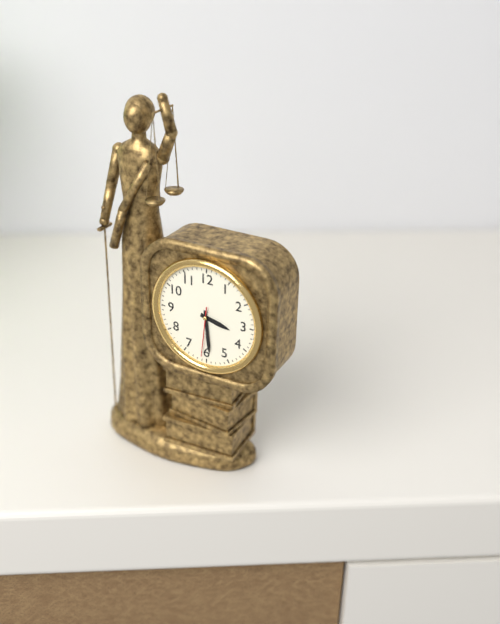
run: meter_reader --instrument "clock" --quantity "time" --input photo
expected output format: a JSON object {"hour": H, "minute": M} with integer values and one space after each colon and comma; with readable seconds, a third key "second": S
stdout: {"hour": 3, "minute": 29}
